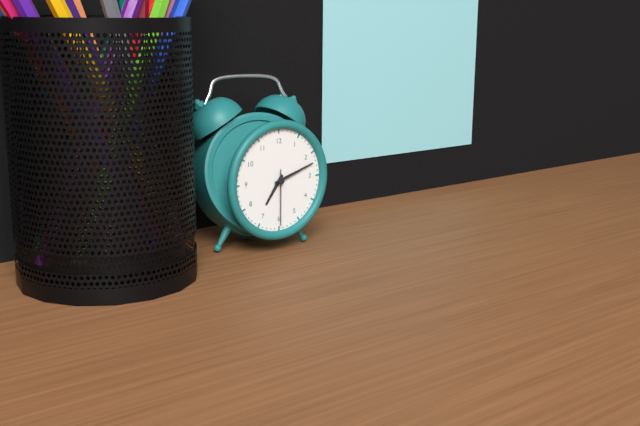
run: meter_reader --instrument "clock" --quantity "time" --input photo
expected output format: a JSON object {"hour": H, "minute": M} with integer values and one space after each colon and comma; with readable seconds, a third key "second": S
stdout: {"hour": 7, "minute": 12, "second": 30}
